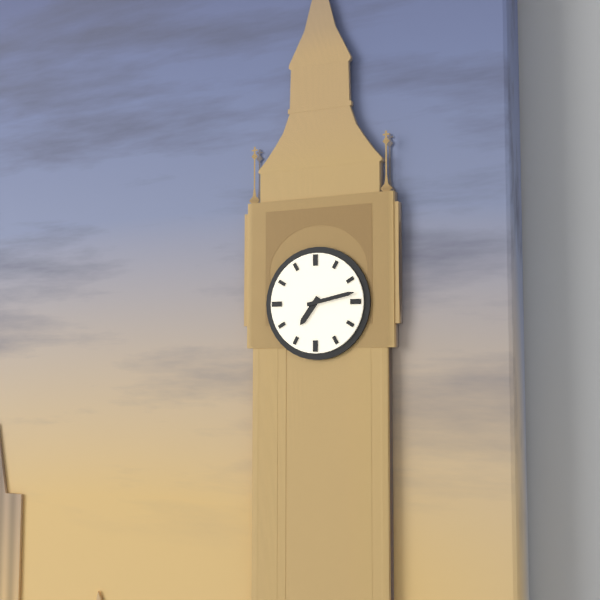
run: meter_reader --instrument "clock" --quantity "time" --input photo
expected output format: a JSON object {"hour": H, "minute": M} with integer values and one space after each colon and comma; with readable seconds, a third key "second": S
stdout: {"hour": 7, "minute": 13}
